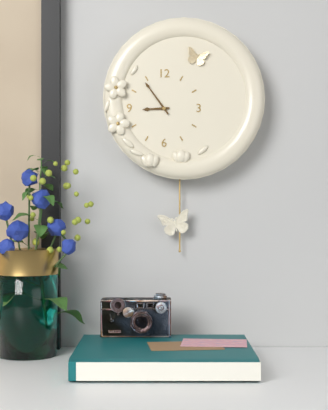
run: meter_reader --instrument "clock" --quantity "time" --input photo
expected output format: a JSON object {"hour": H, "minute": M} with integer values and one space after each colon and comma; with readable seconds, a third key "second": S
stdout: {"hour": 8, "minute": 54}
